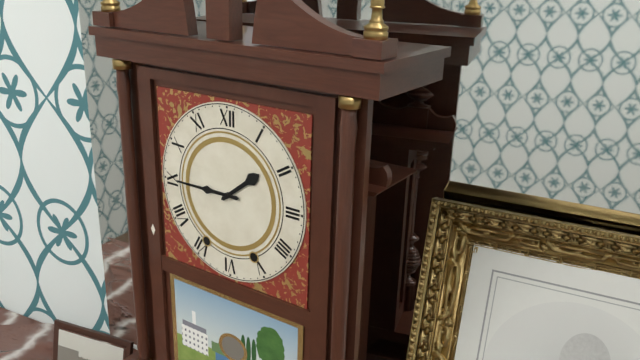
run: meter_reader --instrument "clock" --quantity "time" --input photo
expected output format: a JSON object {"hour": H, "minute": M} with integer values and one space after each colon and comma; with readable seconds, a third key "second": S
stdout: {"hour": 1, "minute": 45}
